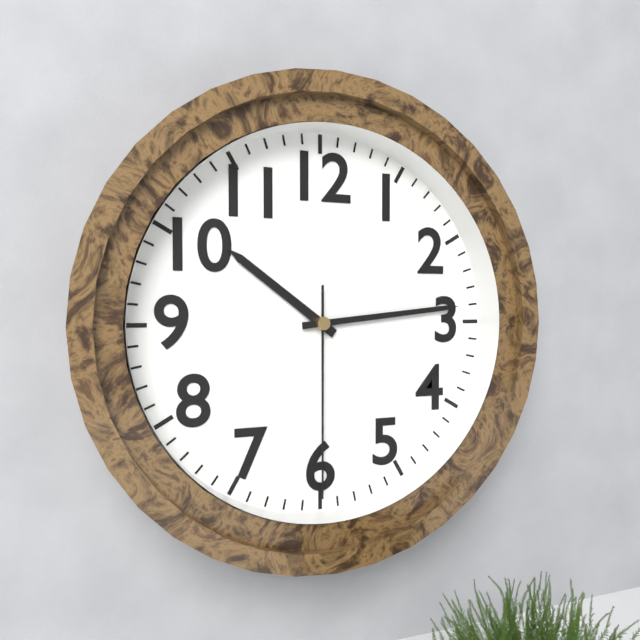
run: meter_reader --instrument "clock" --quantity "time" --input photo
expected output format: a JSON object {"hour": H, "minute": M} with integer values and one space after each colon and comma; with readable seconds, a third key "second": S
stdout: {"hour": 10, "minute": 14, "second": 30}
